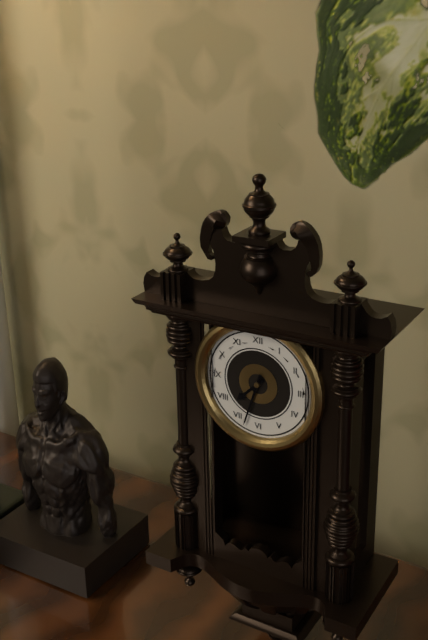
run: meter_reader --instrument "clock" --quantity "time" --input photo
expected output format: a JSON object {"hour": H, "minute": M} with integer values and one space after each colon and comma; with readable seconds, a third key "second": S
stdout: {"hour": 7, "minute": 33}
